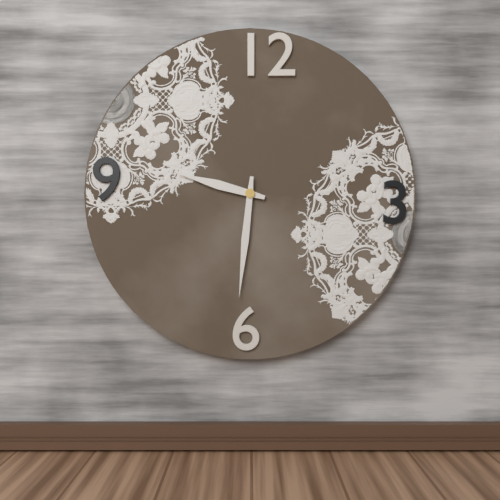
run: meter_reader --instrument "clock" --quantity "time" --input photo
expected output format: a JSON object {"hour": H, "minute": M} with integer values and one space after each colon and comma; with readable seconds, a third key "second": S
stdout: {"hour": 9, "minute": 31}
